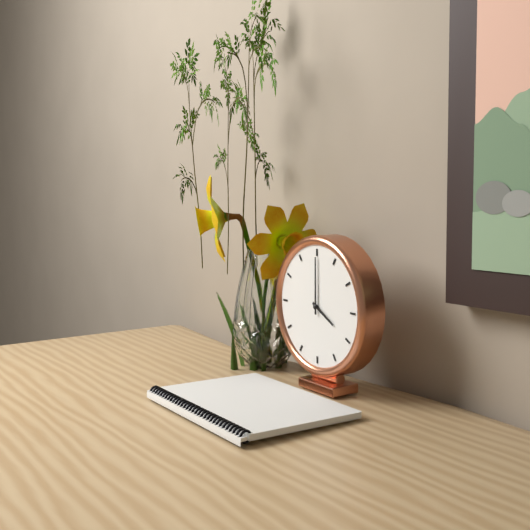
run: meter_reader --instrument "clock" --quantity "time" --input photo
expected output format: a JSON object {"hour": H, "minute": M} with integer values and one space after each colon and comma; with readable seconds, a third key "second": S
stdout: {"hour": 4, "minute": 0}
